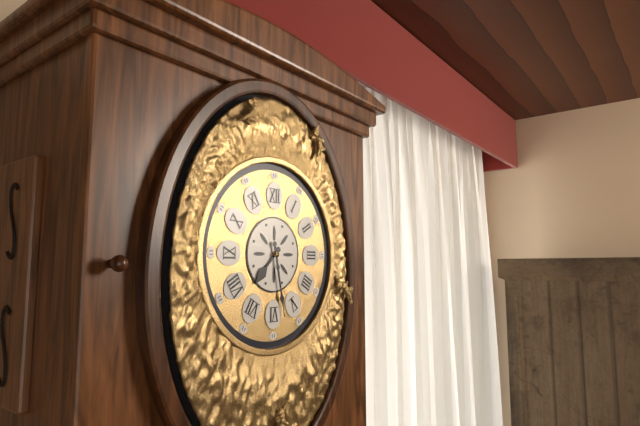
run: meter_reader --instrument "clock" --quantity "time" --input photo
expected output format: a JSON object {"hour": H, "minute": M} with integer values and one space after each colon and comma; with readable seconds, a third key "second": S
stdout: {"hour": 7, "minute": 28}
